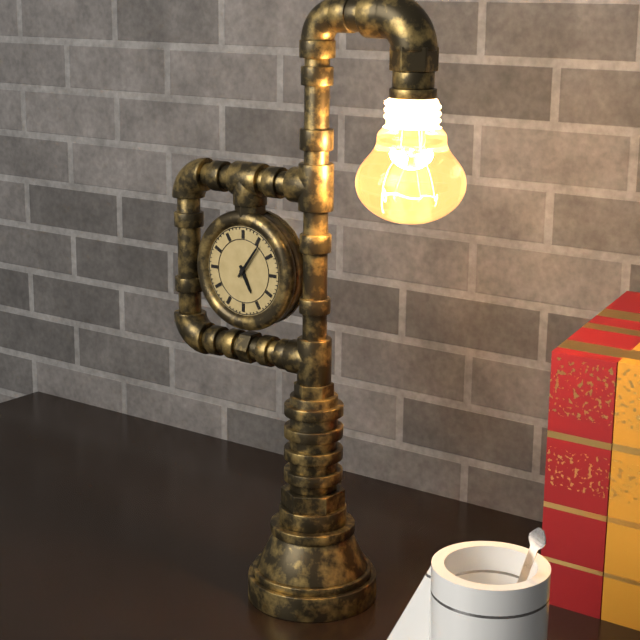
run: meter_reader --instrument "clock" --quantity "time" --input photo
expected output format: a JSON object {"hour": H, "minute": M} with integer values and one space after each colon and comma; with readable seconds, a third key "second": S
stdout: {"hour": 5, "minute": 6}
